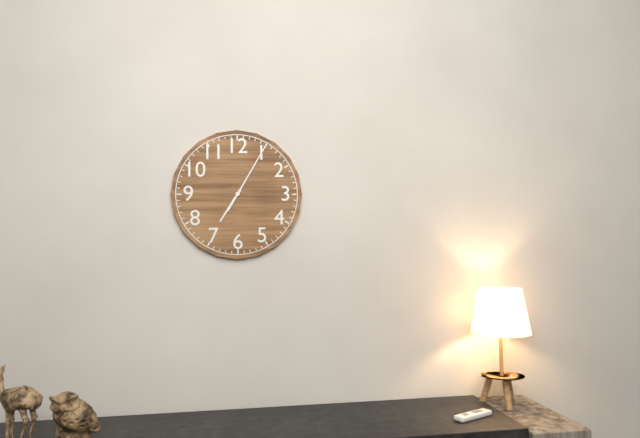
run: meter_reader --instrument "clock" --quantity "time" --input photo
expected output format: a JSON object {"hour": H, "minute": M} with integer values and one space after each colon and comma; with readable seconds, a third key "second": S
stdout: {"hour": 7, "minute": 5}
